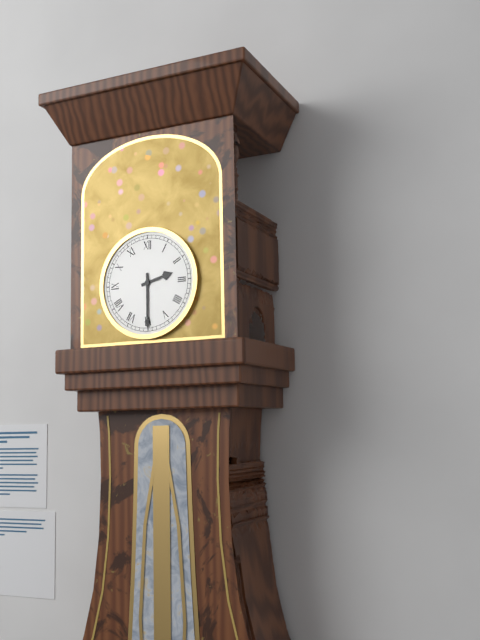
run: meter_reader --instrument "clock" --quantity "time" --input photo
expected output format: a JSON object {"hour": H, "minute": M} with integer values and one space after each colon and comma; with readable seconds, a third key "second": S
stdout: {"hour": 2, "minute": 30}
